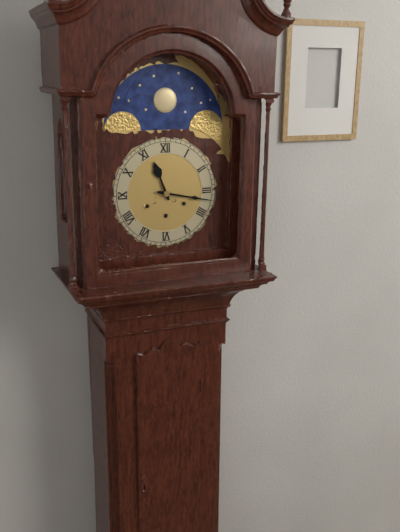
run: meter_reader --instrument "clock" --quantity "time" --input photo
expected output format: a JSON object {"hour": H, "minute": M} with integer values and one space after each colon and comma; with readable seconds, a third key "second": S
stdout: {"hour": 11, "minute": 17}
